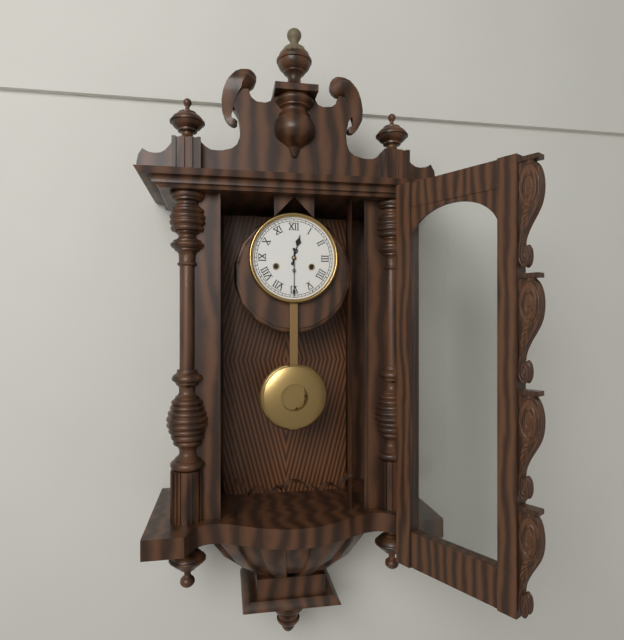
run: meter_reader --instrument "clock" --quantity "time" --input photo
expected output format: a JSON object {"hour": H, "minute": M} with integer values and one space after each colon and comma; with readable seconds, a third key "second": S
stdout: {"hour": 12, "minute": 30}
